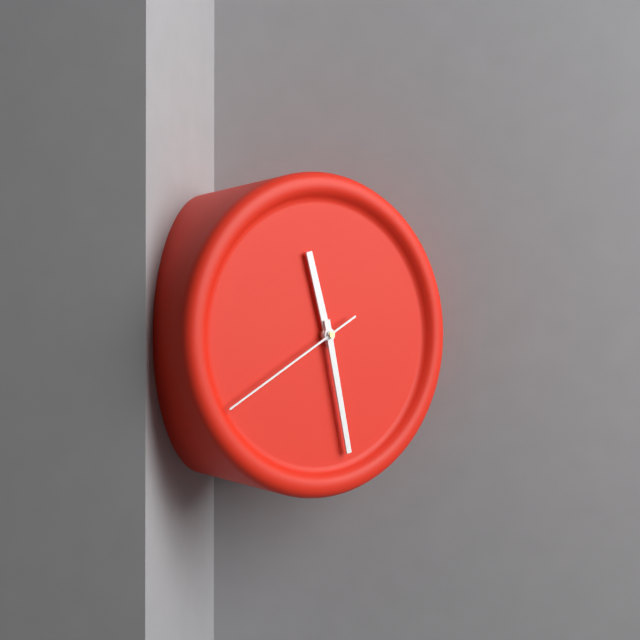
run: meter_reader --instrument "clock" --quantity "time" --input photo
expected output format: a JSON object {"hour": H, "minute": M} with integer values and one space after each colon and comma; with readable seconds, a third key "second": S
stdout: {"hour": 11, "minute": 28, "second": 40}
